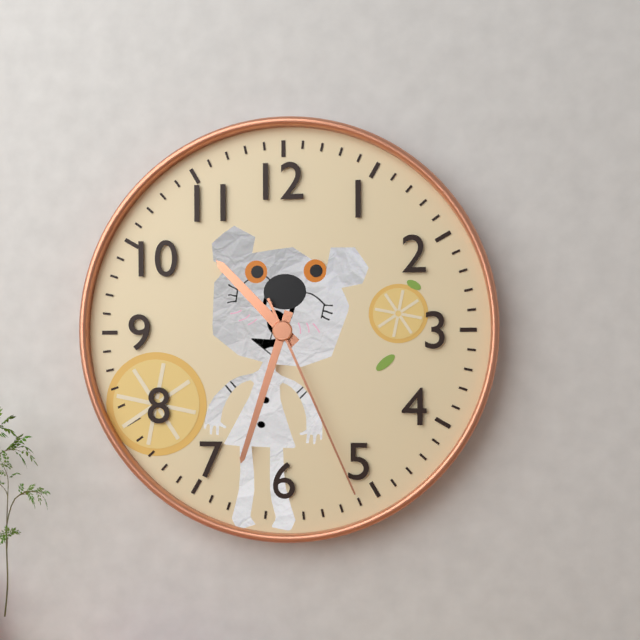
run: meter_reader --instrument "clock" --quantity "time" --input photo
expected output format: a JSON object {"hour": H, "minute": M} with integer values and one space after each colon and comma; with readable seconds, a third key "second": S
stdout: {"hour": 10, "minute": 33, "second": 26}
